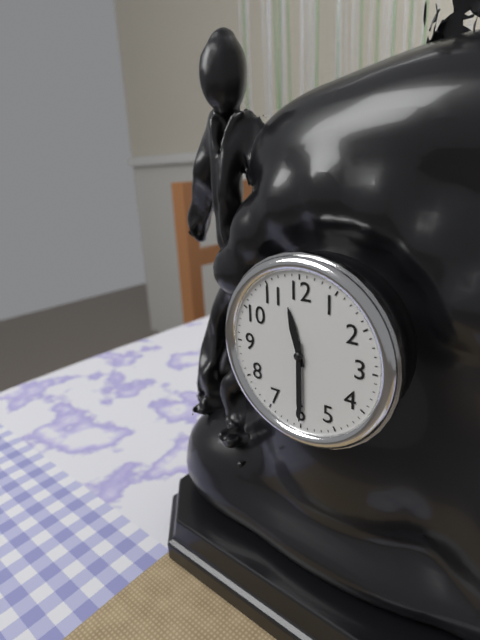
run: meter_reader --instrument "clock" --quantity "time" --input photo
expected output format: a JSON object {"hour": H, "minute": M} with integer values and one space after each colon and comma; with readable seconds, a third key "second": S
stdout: {"hour": 11, "minute": 30}
